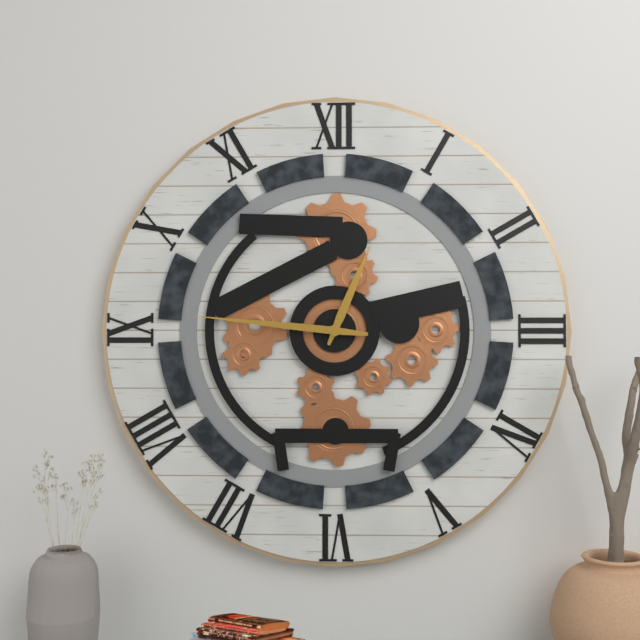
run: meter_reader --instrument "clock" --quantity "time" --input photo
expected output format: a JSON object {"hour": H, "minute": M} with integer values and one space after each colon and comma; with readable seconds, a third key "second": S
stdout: {"hour": 12, "minute": 46}
